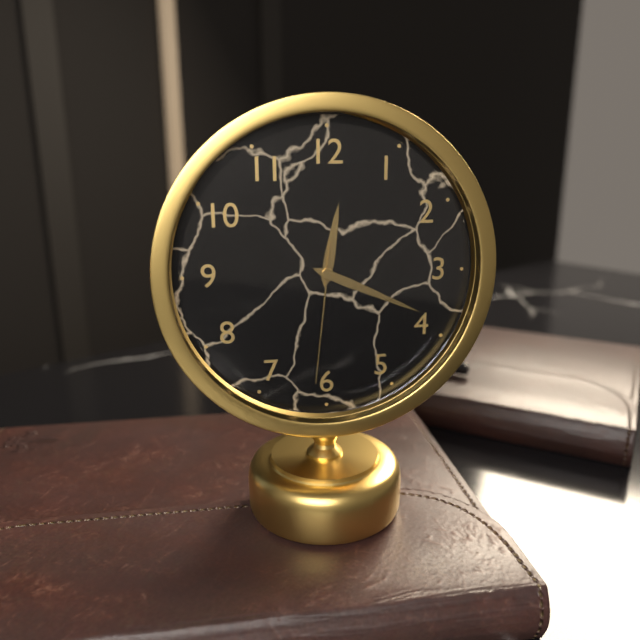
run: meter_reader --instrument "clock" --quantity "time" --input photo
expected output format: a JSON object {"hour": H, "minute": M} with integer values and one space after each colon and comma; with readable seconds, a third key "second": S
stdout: {"hour": 12, "minute": 19, "second": 31}
